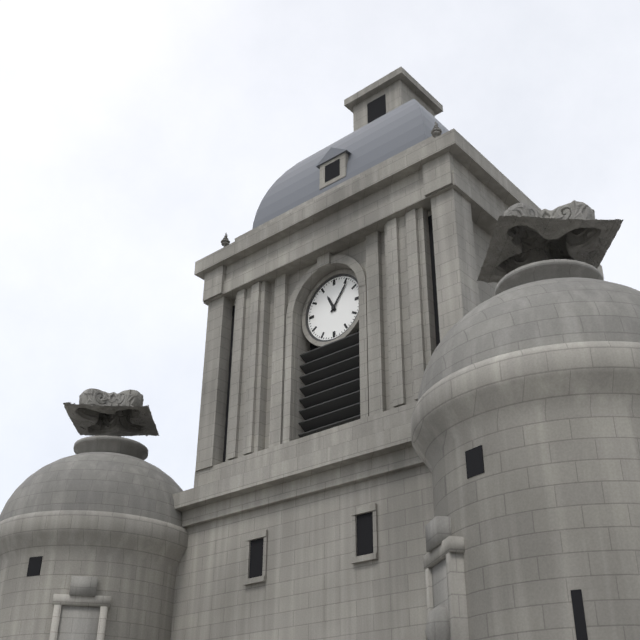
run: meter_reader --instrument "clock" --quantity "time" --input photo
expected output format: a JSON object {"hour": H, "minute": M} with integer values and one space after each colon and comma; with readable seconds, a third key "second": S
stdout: {"hour": 11, "minute": 6}
